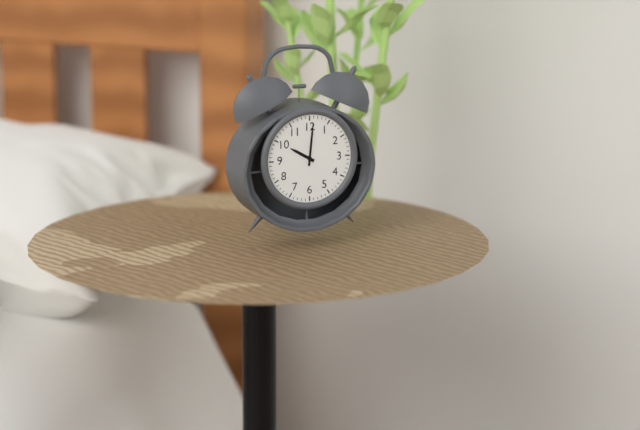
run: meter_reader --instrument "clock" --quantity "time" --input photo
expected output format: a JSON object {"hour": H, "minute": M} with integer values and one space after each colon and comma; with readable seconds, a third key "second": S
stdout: {"hour": 10, "minute": 1}
